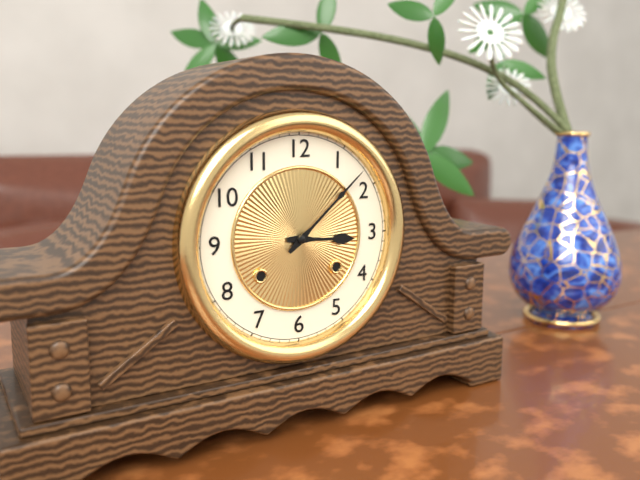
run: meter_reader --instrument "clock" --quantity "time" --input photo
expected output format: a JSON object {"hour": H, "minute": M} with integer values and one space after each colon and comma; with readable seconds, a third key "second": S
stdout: {"hour": 3, "minute": 8}
